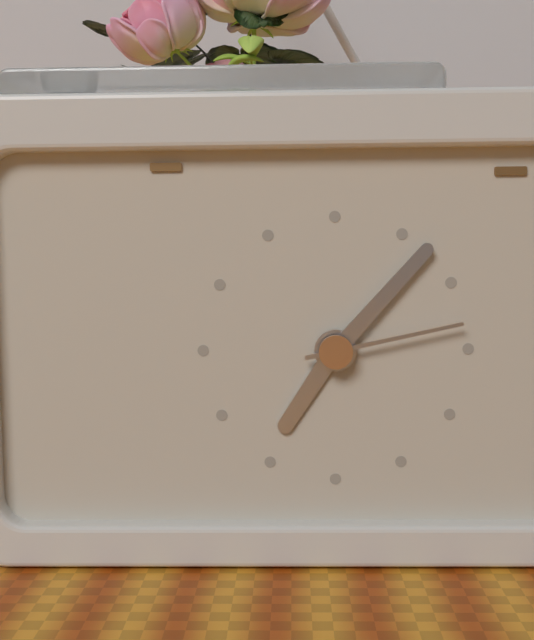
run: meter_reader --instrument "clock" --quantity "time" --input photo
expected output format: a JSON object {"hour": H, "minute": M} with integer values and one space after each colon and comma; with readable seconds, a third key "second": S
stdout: {"hour": 7, "minute": 7, "second": 13}
